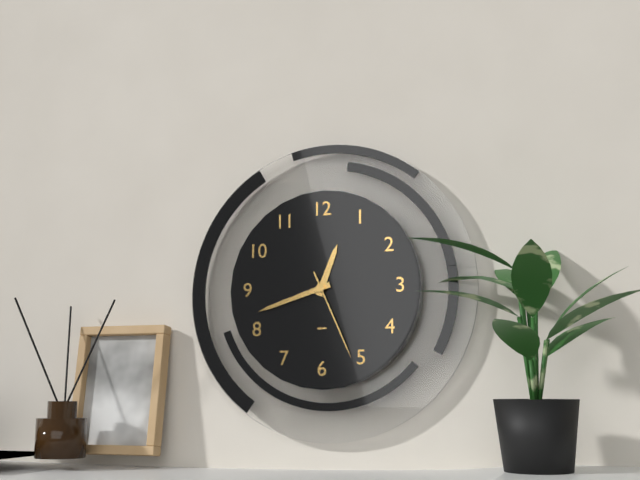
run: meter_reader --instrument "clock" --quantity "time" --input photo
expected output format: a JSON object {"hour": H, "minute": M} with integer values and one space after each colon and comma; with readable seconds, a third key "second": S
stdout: {"hour": 12, "minute": 42, "second": 26}
